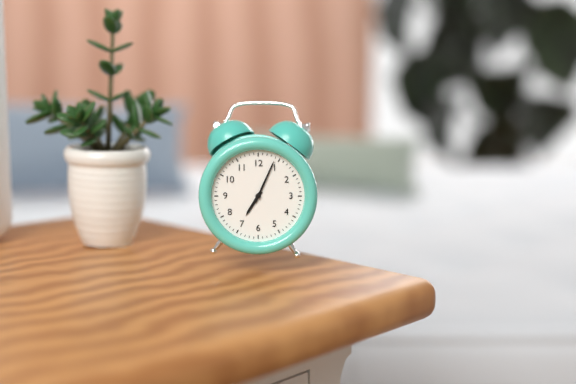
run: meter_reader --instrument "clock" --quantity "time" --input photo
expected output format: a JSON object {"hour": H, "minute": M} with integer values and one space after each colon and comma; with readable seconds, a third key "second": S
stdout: {"hour": 7, "minute": 4}
